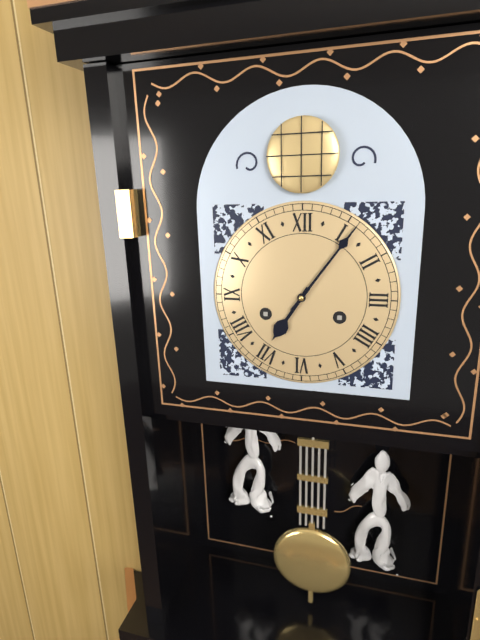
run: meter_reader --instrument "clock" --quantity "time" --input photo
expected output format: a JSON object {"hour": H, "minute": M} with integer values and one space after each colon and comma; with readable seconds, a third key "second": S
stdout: {"hour": 7, "minute": 6}
